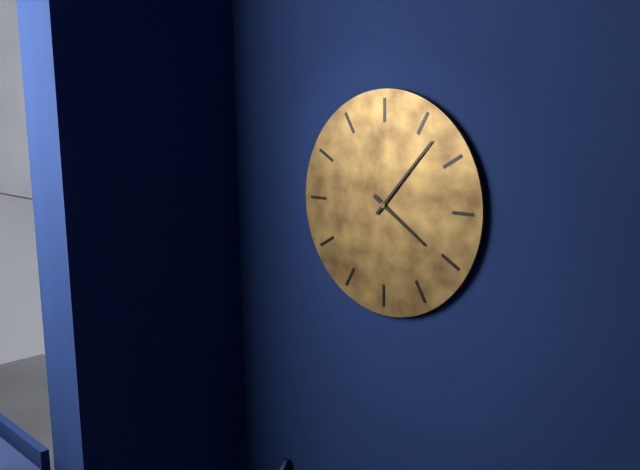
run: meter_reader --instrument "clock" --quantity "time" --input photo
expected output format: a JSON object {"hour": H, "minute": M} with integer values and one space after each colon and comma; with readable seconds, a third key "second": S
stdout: {"hour": 4, "minute": 7}
